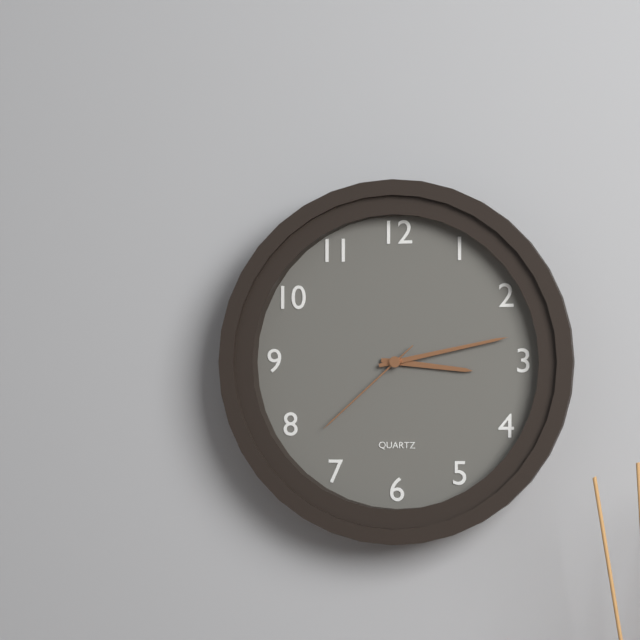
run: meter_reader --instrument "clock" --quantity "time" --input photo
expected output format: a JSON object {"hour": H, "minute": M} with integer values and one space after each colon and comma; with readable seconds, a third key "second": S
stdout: {"hour": 3, "minute": 13, "second": 38}
